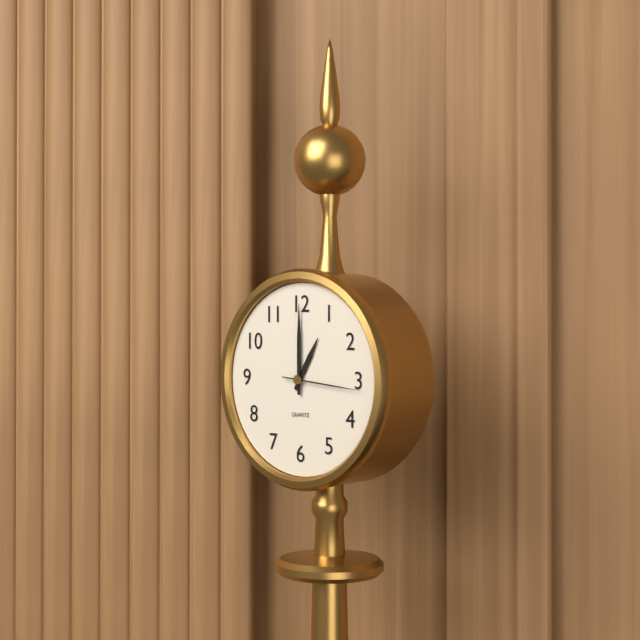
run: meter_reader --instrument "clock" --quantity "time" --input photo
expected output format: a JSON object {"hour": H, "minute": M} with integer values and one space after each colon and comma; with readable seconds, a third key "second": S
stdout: {"hour": 1, "minute": 0, "second": 16}
